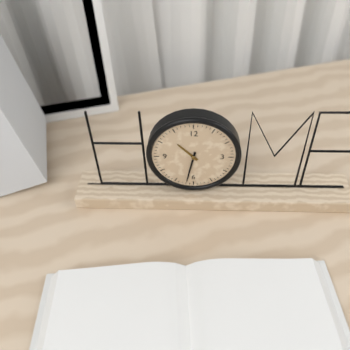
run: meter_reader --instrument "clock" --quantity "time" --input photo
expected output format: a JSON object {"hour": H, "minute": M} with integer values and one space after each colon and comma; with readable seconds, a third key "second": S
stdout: {"hour": 10, "minute": 32}
